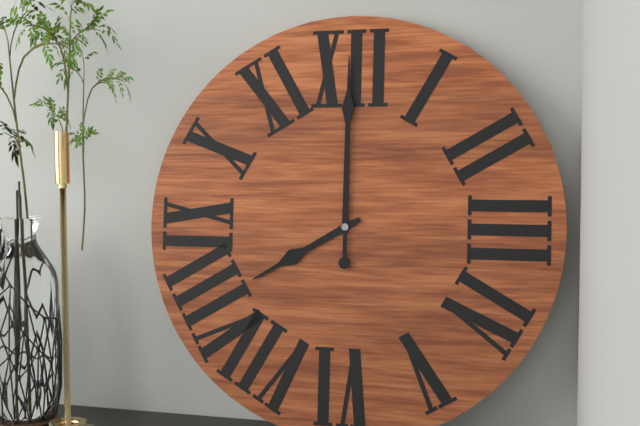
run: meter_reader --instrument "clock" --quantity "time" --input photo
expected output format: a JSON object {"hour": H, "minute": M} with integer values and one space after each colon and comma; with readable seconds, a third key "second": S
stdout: {"hour": 8, "minute": 0}
